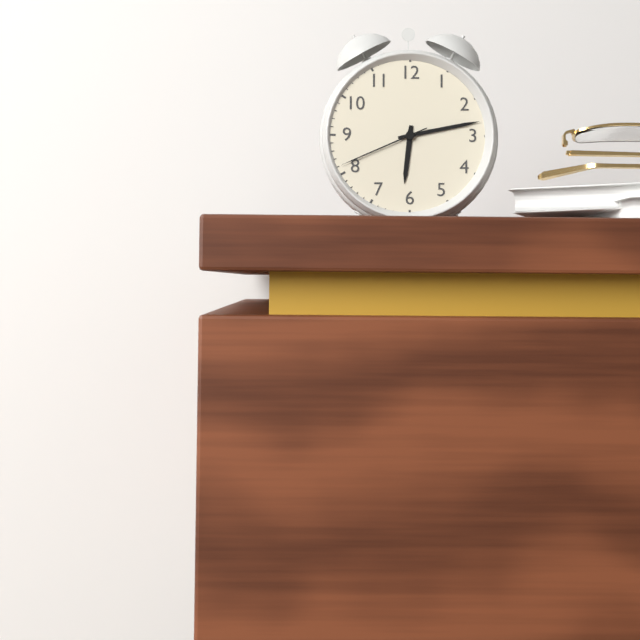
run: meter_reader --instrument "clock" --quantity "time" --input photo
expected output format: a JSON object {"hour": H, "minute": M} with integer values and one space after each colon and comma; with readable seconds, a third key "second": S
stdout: {"hour": 6, "minute": 13, "second": 41}
